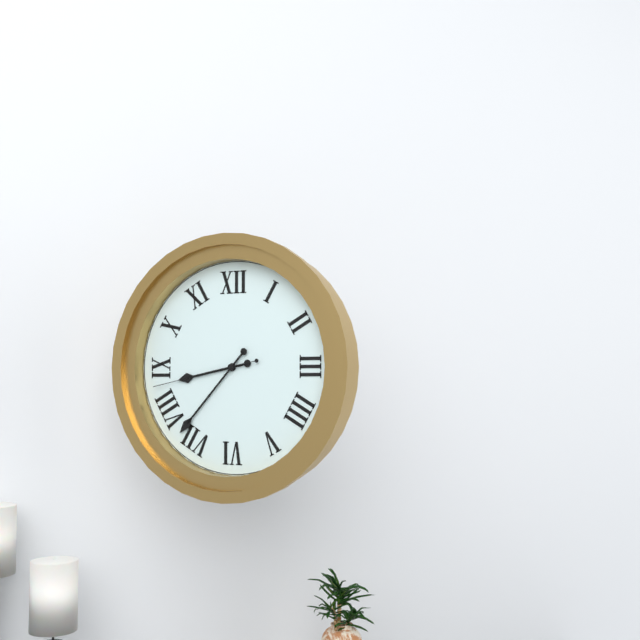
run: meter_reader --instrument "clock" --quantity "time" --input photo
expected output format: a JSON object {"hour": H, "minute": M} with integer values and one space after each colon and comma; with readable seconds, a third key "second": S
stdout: {"hour": 8, "minute": 37, "second": 43}
